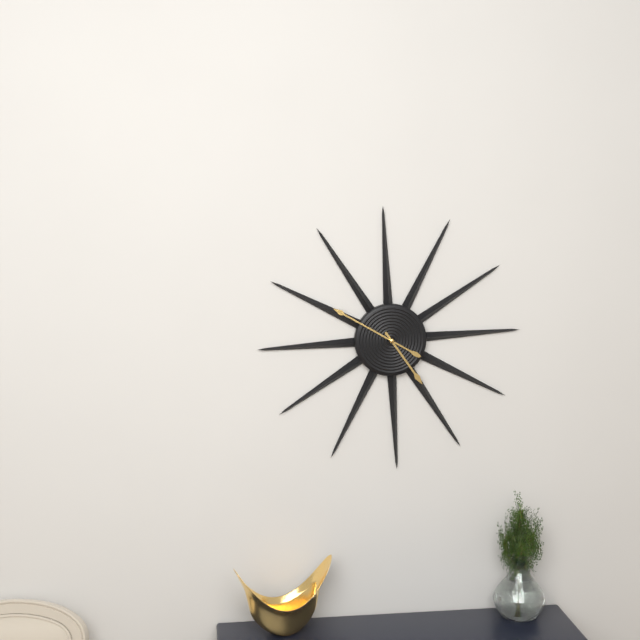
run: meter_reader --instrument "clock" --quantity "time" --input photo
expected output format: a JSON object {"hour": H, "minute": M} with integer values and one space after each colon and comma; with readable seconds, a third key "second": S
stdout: {"hour": 4, "minute": 50}
